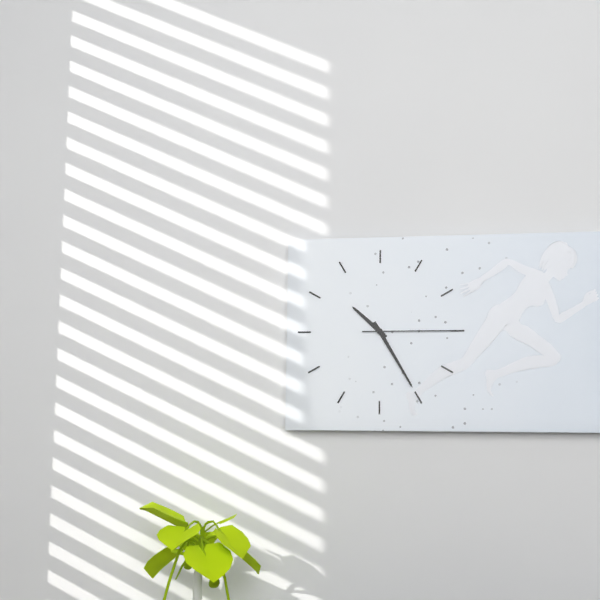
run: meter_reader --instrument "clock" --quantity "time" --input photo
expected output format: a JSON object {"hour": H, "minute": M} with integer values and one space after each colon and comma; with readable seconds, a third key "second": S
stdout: {"hour": 10, "minute": 25, "second": 15}
